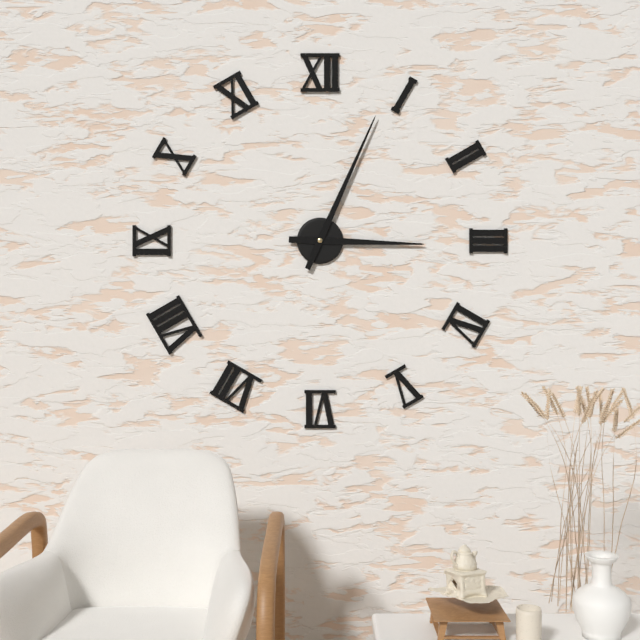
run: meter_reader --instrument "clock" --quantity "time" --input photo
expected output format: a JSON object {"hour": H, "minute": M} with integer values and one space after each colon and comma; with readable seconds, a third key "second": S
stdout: {"hour": 3, "minute": 4}
